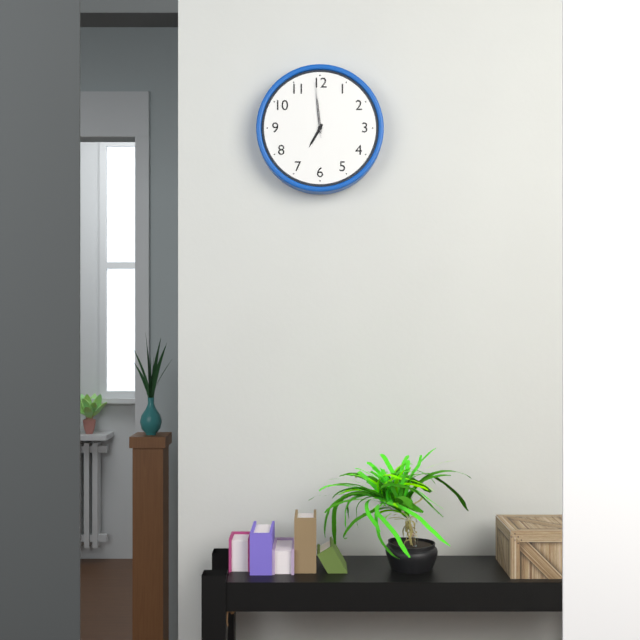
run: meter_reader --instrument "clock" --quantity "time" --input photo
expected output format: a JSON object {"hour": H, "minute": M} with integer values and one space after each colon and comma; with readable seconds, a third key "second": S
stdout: {"hour": 6, "minute": 59, "second": 59}
